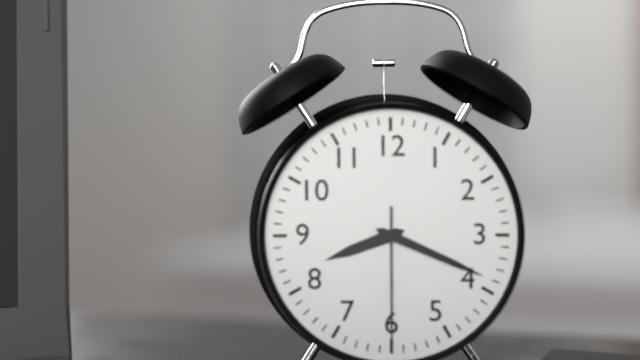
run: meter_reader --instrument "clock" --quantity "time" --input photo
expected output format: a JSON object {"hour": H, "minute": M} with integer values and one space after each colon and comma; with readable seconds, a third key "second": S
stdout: {"hour": 8, "minute": 19, "second": 30}
